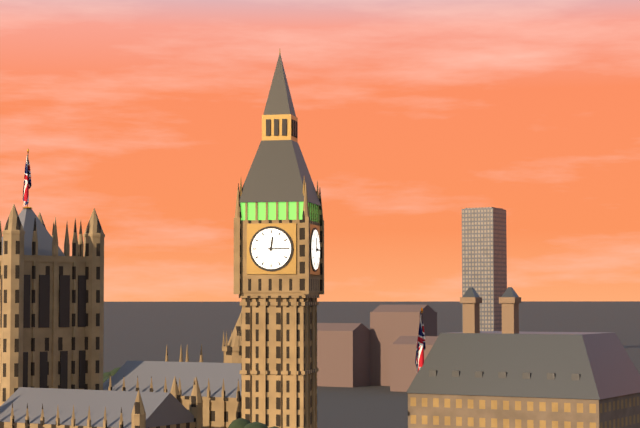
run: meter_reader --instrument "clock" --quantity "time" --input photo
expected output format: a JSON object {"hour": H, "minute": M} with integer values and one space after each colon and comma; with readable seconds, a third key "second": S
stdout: {"hour": 12, "minute": 15}
